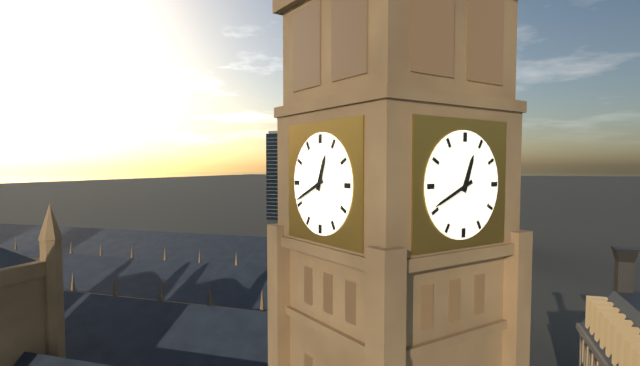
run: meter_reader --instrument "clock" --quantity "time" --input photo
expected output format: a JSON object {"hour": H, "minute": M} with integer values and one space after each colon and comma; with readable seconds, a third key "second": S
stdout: {"hour": 12, "minute": 41}
